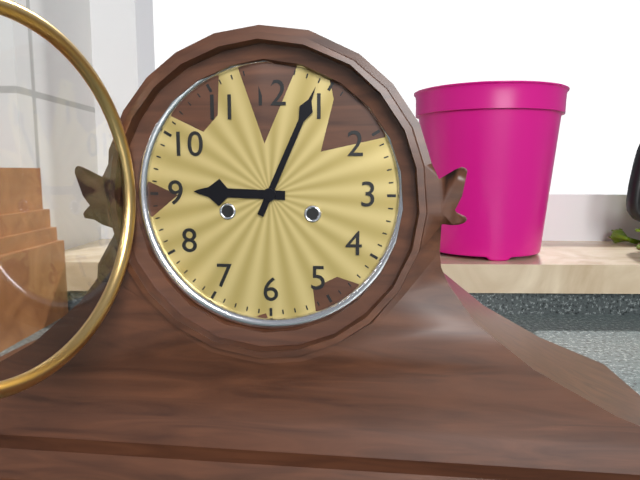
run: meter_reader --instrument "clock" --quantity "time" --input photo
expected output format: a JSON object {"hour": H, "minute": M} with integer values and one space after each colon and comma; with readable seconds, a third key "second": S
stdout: {"hour": 9, "minute": 4}
